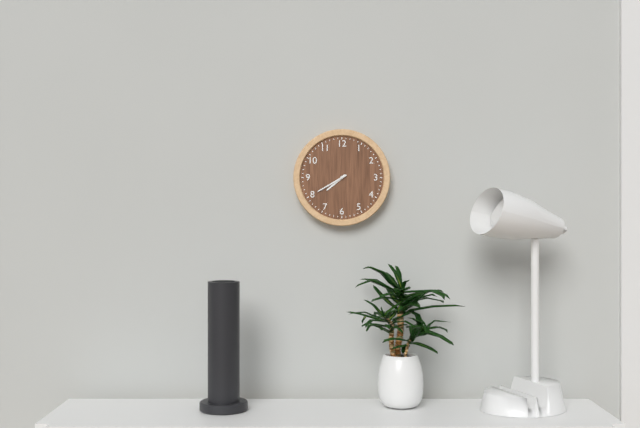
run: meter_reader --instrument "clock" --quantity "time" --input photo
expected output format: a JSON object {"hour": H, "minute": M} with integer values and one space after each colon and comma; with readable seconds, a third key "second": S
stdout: {"hour": 7, "minute": 40}
